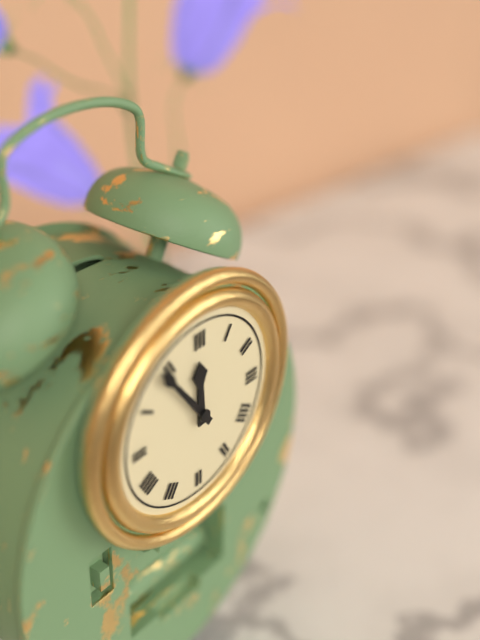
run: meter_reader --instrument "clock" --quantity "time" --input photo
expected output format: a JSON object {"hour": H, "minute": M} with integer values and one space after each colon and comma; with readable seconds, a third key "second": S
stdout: {"hour": 11, "minute": 54}
